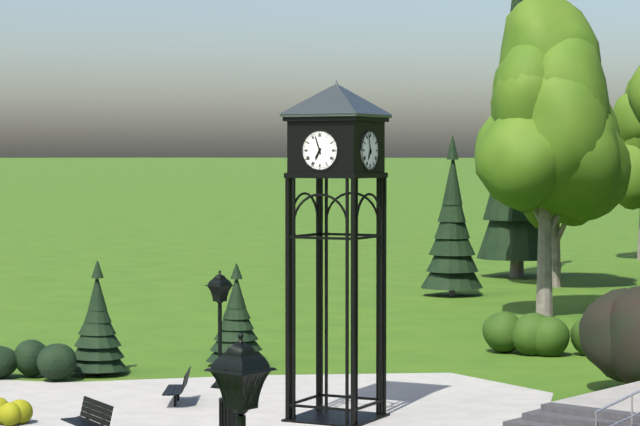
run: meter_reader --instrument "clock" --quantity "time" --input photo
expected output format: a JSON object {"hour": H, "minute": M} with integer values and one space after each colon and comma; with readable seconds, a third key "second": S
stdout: {"hour": 6, "minute": 57}
